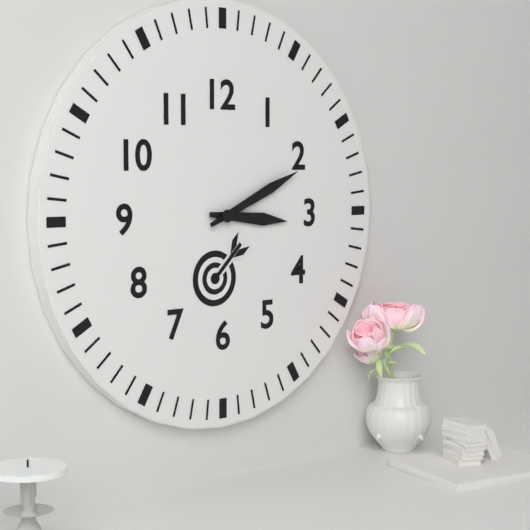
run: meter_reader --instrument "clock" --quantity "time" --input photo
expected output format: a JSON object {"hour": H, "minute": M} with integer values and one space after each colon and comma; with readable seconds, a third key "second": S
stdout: {"hour": 3, "minute": 11}
